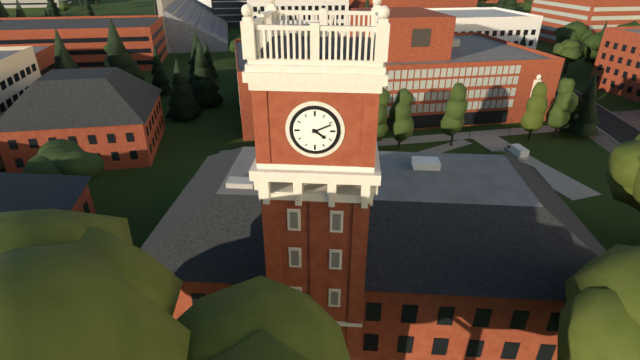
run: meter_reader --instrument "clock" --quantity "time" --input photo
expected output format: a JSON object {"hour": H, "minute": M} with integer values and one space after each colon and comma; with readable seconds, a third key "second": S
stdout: {"hour": 4, "minute": 11}
